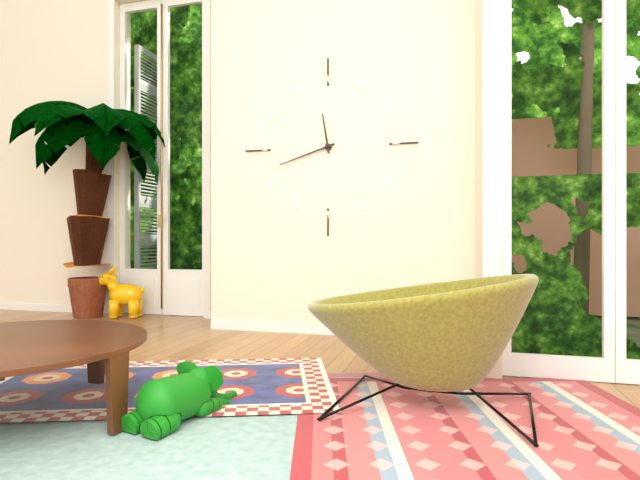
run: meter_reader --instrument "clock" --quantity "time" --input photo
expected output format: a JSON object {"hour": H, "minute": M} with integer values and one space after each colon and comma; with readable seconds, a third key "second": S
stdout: {"hour": 11, "minute": 42}
